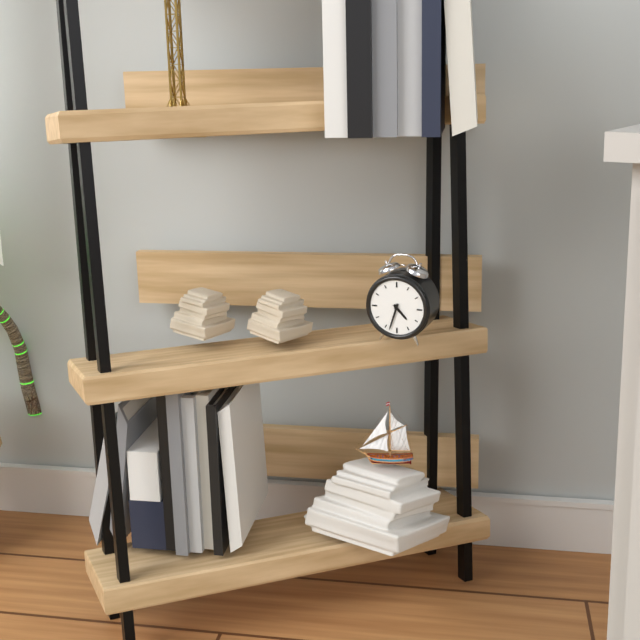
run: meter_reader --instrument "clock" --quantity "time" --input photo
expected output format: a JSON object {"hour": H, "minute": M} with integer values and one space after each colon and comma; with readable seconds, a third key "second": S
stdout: {"hour": 4, "minute": 33}
